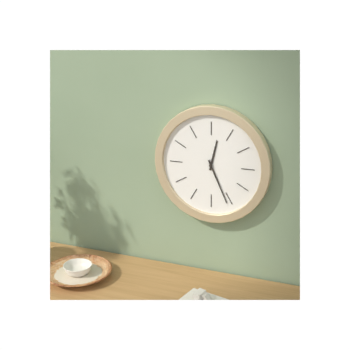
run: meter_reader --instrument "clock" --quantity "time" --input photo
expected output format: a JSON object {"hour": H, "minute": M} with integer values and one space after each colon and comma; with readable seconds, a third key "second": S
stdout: {"hour": 12, "minute": 26}
